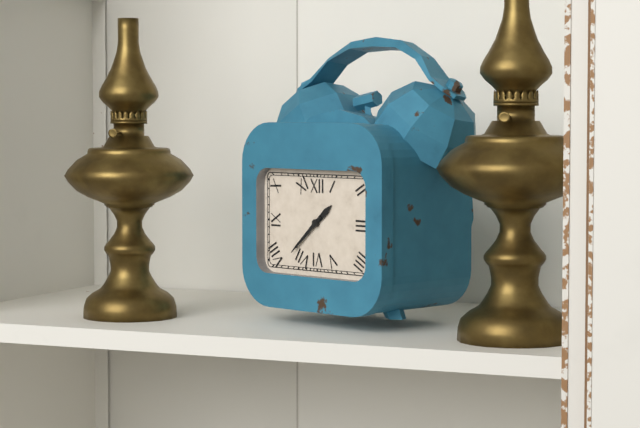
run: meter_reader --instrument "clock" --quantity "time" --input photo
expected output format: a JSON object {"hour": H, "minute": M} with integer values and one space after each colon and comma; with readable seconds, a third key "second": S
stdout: {"hour": 1, "minute": 38}
